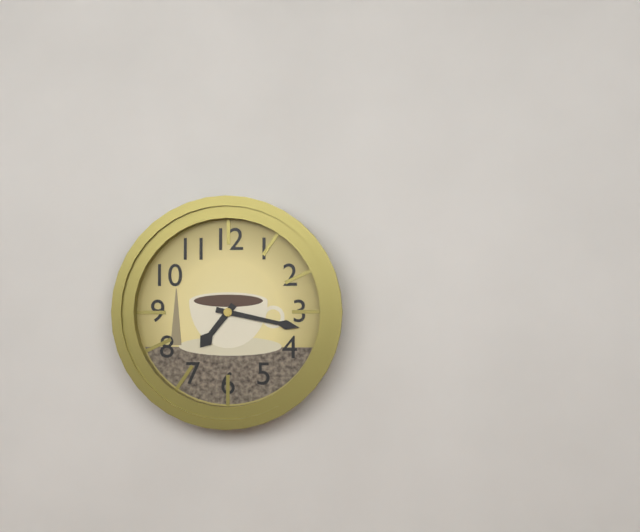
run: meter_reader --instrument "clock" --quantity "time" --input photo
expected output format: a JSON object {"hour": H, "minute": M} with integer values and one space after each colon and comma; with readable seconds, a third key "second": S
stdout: {"hour": 7, "minute": 17}
